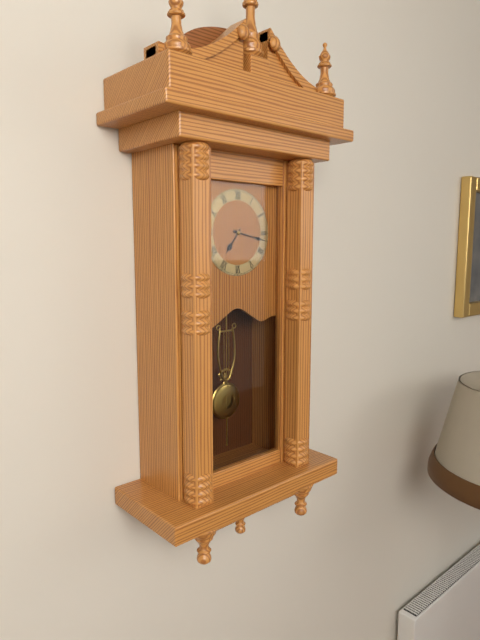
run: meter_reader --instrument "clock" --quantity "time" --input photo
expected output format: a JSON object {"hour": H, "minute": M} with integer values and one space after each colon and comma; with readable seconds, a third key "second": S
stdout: {"hour": 7, "minute": 17}
